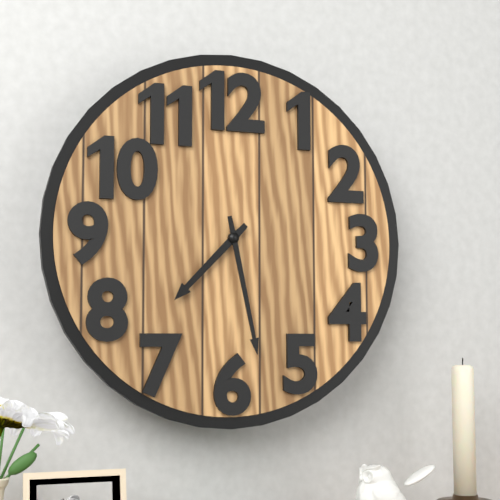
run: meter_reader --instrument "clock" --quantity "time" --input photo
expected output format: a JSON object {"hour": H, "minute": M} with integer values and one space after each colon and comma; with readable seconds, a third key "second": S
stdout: {"hour": 7, "minute": 28}
